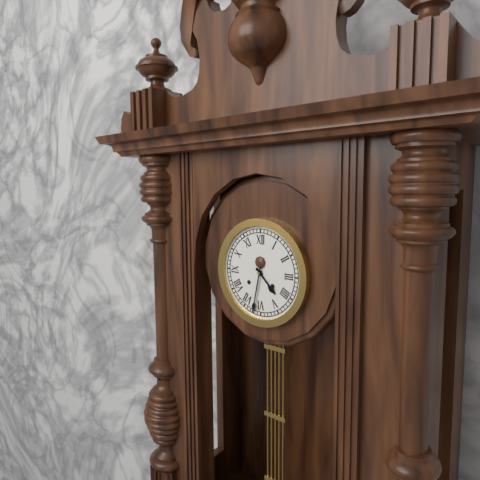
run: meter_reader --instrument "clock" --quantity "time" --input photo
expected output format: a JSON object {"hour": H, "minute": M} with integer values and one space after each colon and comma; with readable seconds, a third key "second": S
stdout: {"hour": 4, "minute": 32}
